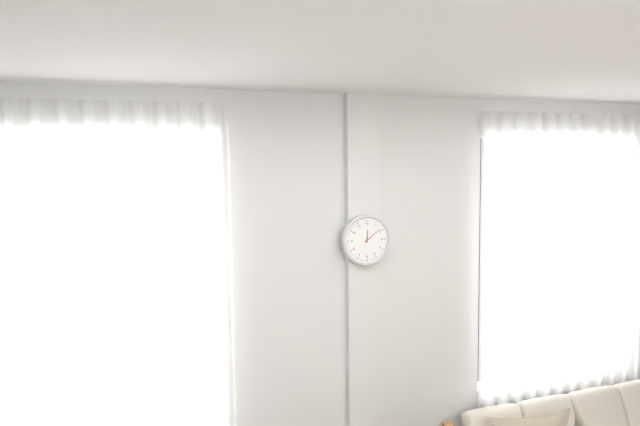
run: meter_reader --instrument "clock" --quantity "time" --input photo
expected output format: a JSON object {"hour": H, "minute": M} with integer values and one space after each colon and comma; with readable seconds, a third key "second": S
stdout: {"hour": 12, "minute": 9}
